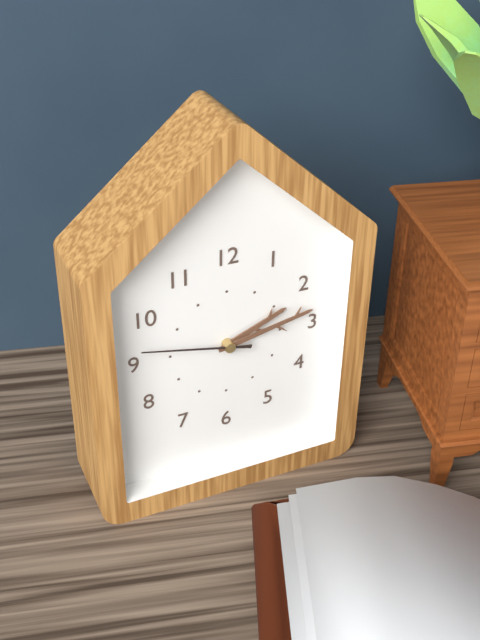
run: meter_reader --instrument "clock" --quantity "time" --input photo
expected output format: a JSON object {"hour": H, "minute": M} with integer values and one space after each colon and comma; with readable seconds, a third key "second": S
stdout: {"hour": 2, "minute": 13, "second": 47}
